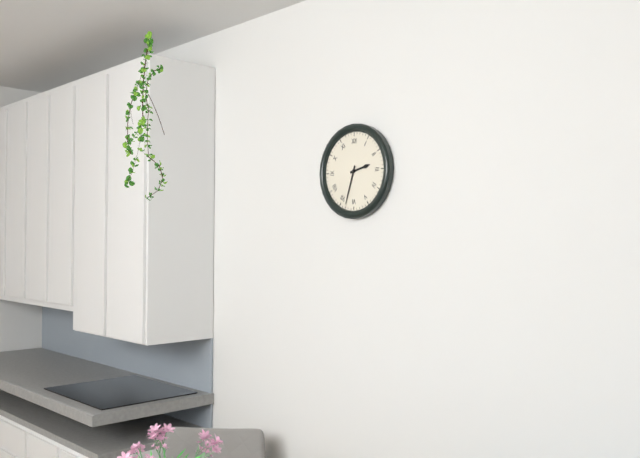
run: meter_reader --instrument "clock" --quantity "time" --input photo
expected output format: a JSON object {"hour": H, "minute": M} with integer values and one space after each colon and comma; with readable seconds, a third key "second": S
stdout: {"hour": 2, "minute": 33}
